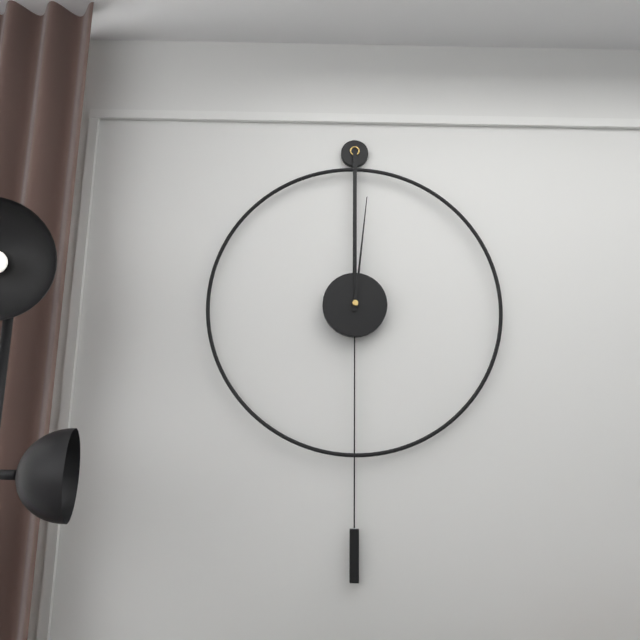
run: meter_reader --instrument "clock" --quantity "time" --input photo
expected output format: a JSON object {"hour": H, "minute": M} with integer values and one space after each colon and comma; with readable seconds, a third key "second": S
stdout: {"hour": 12, "minute": 1}
